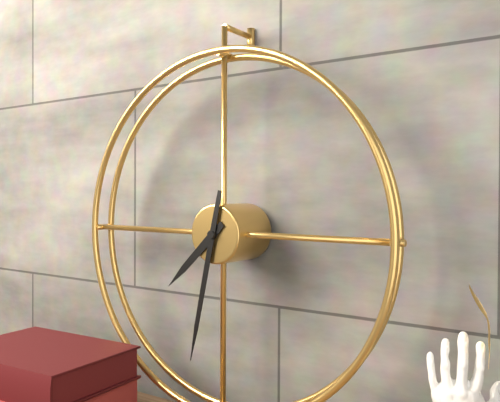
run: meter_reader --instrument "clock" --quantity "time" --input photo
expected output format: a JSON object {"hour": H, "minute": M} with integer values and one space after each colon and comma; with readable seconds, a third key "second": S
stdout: {"hour": 7, "minute": 32}
